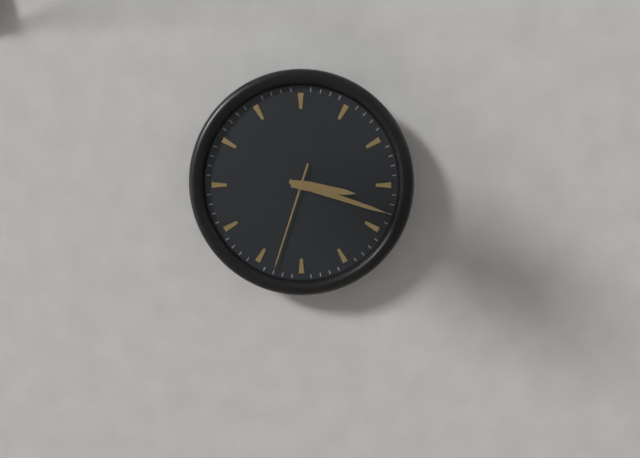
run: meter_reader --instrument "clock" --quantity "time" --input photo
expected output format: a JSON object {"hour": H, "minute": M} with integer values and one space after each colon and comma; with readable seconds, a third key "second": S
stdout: {"hour": 3, "minute": 18, "second": 33}
